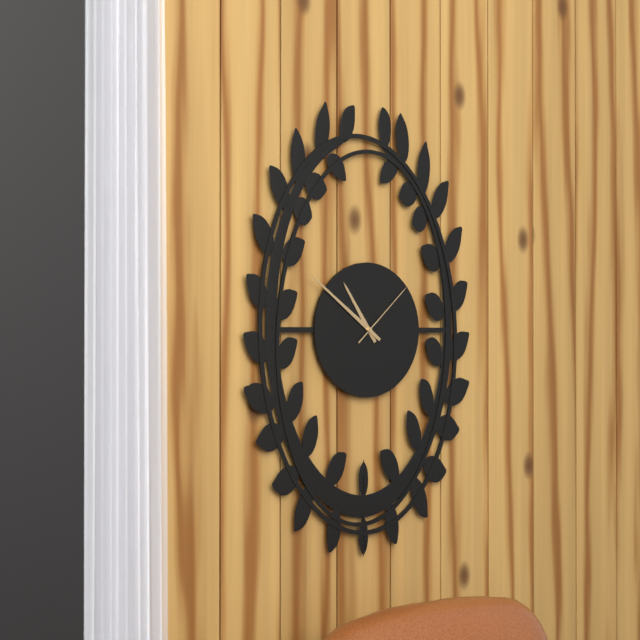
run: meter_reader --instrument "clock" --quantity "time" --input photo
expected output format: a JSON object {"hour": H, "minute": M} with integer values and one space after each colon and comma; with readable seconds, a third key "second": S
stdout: {"hour": 10, "minute": 51, "second": 8}
